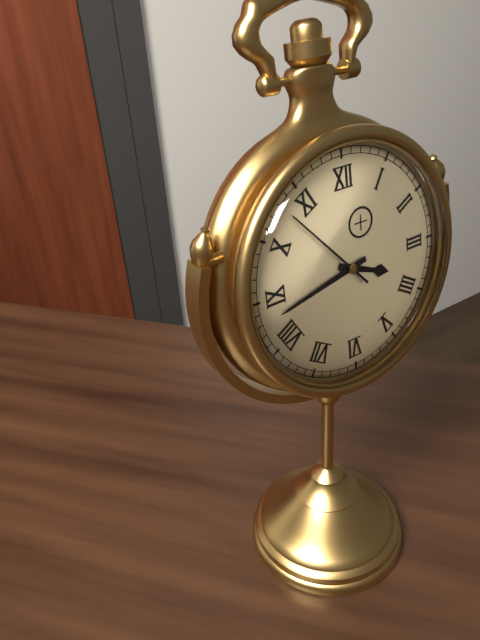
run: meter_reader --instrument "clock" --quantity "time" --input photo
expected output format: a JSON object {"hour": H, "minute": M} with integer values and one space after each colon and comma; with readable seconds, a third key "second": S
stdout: {"hour": 3, "minute": 43, "second": 53}
